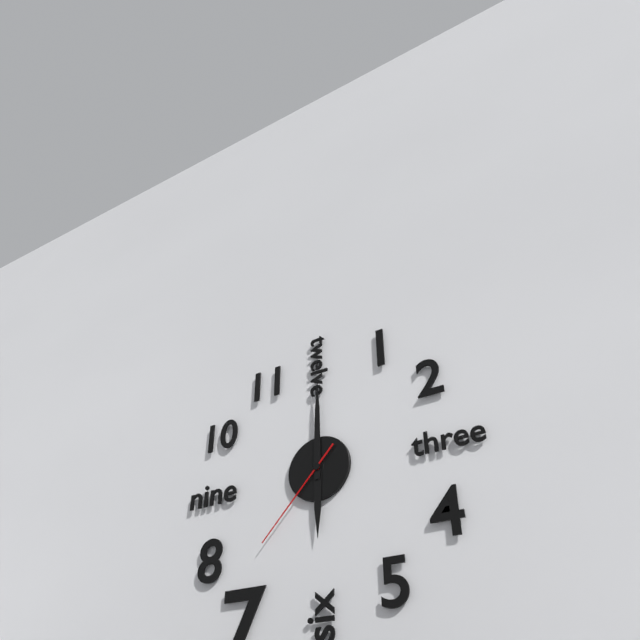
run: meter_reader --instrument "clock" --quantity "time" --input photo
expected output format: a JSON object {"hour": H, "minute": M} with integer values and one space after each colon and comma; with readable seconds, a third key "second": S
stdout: {"hour": 6, "minute": 0, "second": 37}
